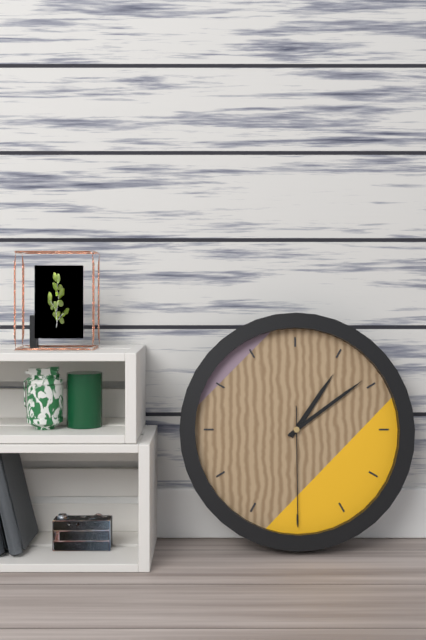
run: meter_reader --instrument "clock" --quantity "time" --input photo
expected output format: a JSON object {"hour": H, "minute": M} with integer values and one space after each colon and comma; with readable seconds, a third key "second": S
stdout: {"hour": 1, "minute": 9, "second": 30}
